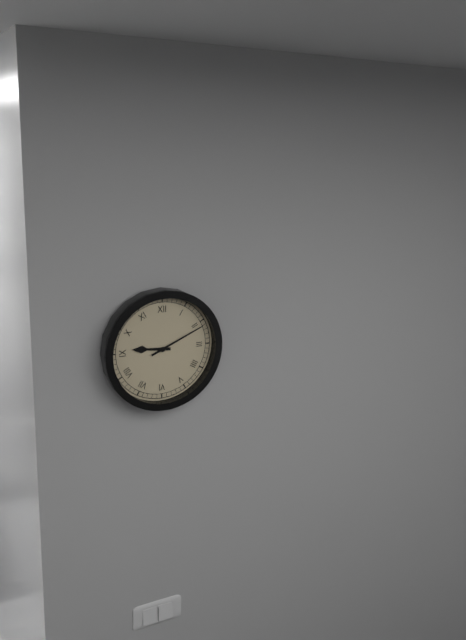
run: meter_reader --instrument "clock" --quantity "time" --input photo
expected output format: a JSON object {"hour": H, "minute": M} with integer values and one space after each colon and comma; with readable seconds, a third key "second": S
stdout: {"hour": 9, "minute": 11}
